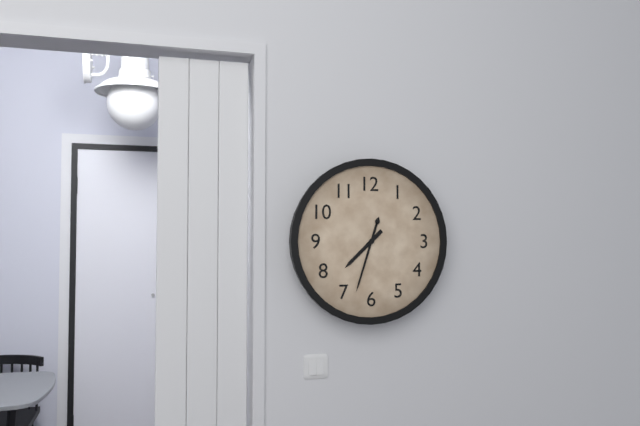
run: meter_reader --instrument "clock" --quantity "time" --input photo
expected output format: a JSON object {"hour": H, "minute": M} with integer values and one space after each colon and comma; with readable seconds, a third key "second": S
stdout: {"hour": 7, "minute": 33}
